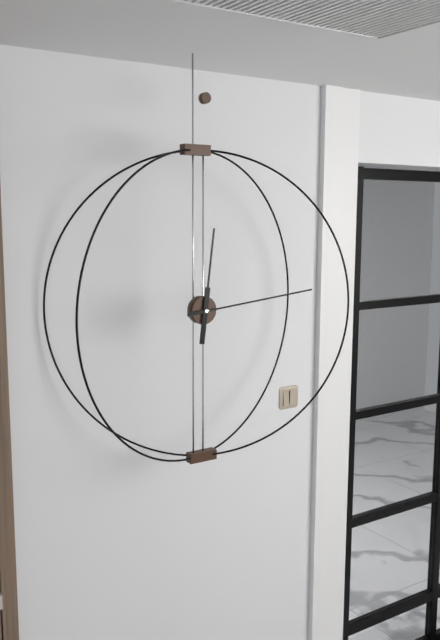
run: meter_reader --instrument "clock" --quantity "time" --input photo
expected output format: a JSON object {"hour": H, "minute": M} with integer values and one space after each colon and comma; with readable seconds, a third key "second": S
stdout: {"hour": 12, "minute": 14}
